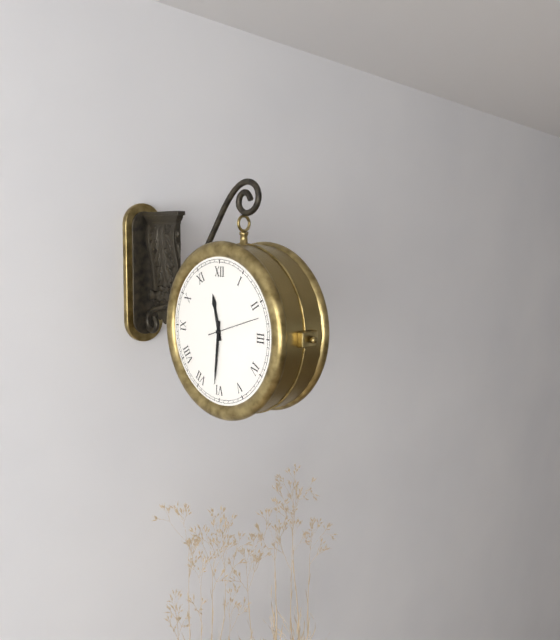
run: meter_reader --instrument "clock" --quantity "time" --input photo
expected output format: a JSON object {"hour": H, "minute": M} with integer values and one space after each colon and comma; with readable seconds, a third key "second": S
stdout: {"hour": 11, "minute": 31, "second": 12}
